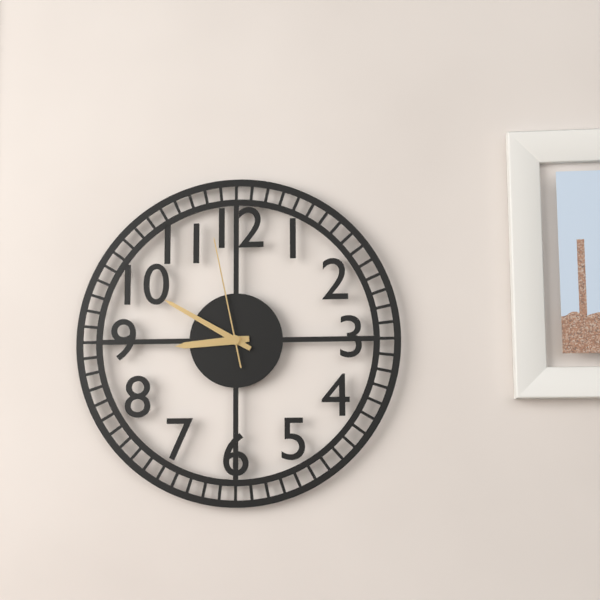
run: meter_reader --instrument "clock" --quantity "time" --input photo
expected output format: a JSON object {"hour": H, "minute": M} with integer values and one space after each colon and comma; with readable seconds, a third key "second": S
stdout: {"hour": 8, "minute": 50, "second": 58}
